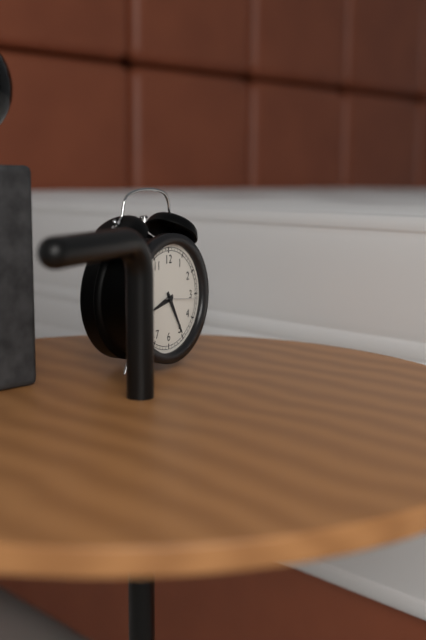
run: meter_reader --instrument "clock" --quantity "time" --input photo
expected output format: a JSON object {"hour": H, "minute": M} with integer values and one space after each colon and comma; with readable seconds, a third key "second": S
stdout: {"hour": 8, "minute": 25}
